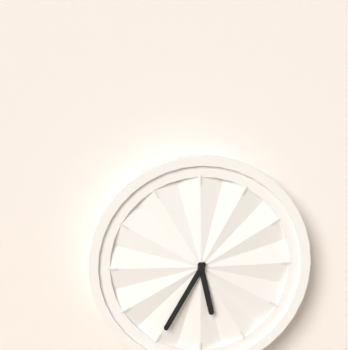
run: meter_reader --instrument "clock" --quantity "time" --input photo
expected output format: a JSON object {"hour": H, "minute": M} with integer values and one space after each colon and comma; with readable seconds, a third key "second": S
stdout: {"hour": 5, "minute": 35}
